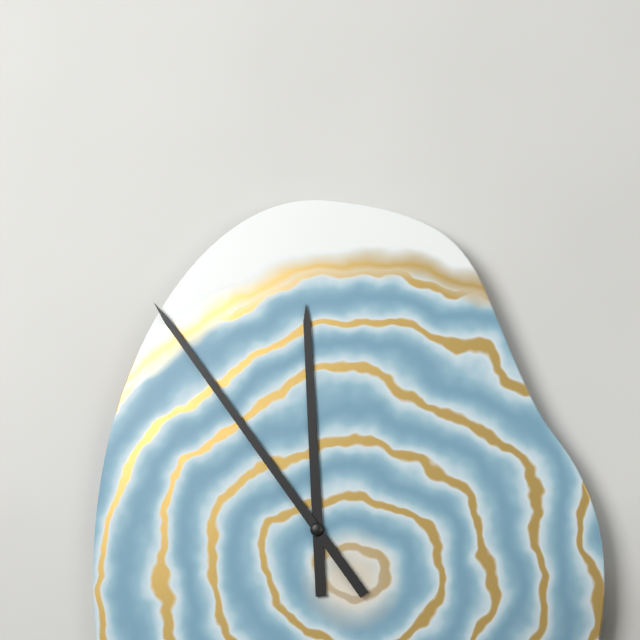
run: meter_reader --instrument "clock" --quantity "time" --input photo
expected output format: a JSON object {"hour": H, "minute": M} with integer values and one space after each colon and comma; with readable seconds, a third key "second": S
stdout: {"hour": 11, "minute": 54}
